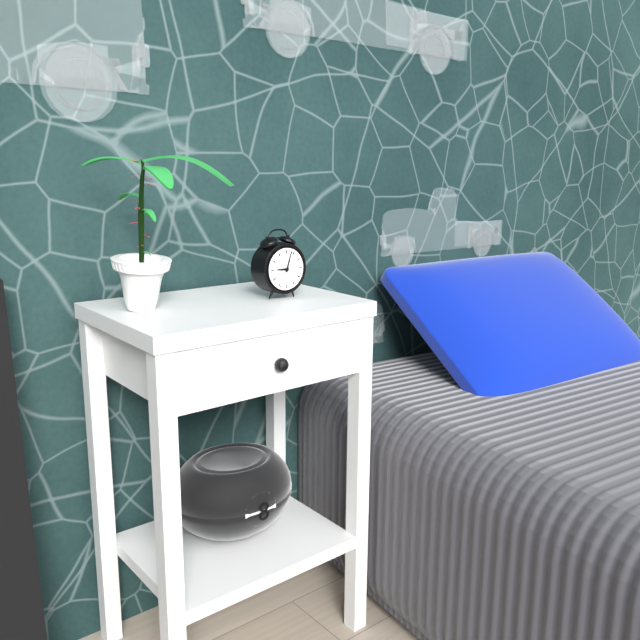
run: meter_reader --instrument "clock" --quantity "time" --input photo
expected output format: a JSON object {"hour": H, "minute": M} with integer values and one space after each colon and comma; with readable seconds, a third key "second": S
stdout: {"hour": 9, "minute": 3}
